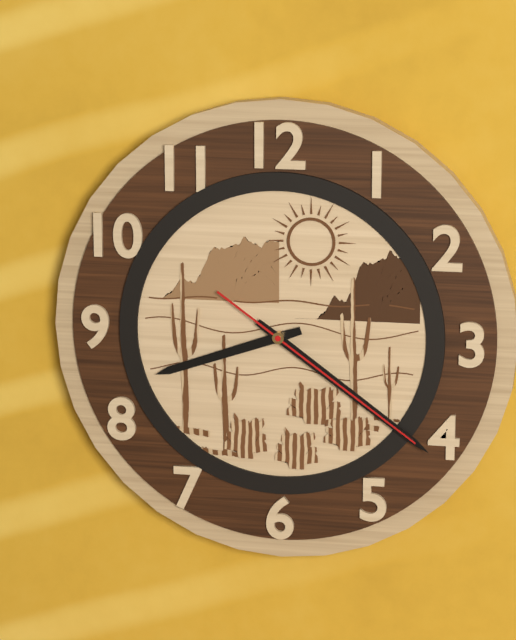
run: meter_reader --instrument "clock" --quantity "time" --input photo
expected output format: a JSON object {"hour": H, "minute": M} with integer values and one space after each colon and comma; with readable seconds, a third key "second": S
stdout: {"hour": 8, "minute": 21, "second": 21}
